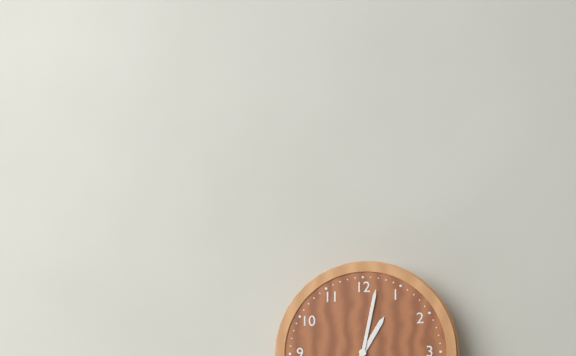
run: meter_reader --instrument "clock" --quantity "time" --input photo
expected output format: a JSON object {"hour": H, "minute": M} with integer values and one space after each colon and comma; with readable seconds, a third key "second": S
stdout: {"hour": 1, "minute": 2}
